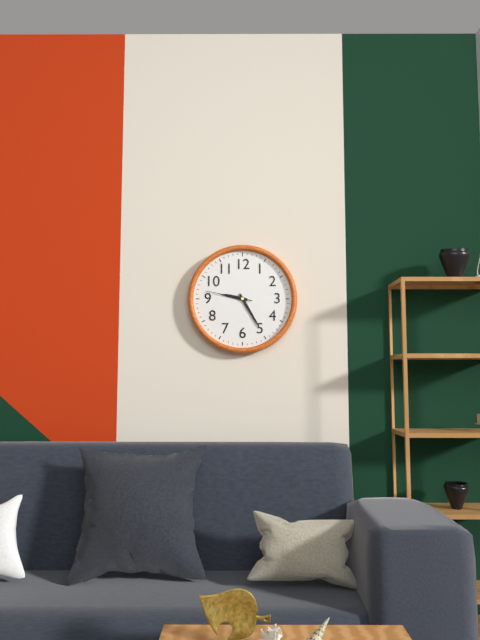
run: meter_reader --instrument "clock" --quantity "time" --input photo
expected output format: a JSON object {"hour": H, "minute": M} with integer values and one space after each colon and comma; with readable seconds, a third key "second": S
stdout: {"hour": 9, "minute": 25}
